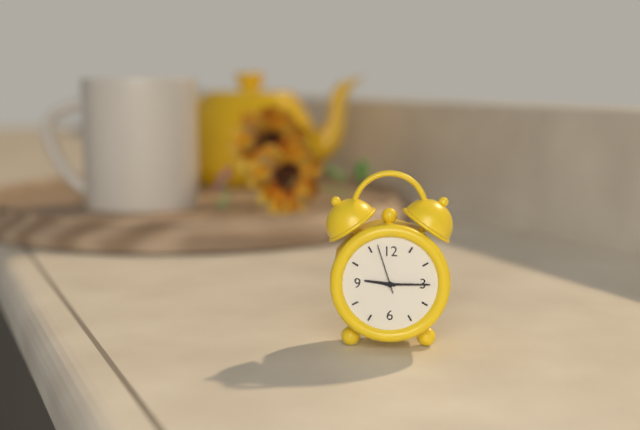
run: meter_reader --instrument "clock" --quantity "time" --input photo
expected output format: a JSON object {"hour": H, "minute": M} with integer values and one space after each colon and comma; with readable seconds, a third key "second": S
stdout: {"hour": 9, "minute": 15, "second": 57}
